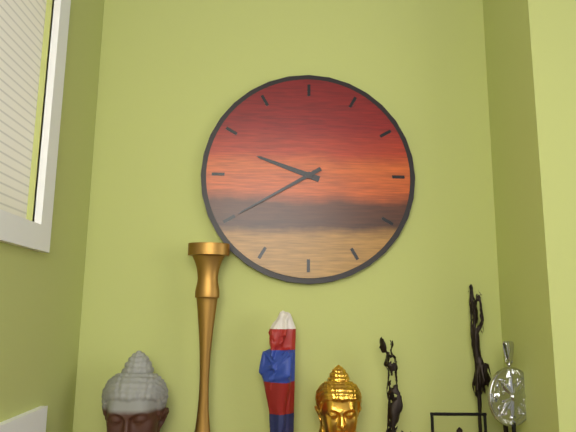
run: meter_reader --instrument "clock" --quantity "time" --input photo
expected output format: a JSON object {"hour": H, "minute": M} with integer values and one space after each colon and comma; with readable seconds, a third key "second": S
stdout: {"hour": 9, "minute": 40}
